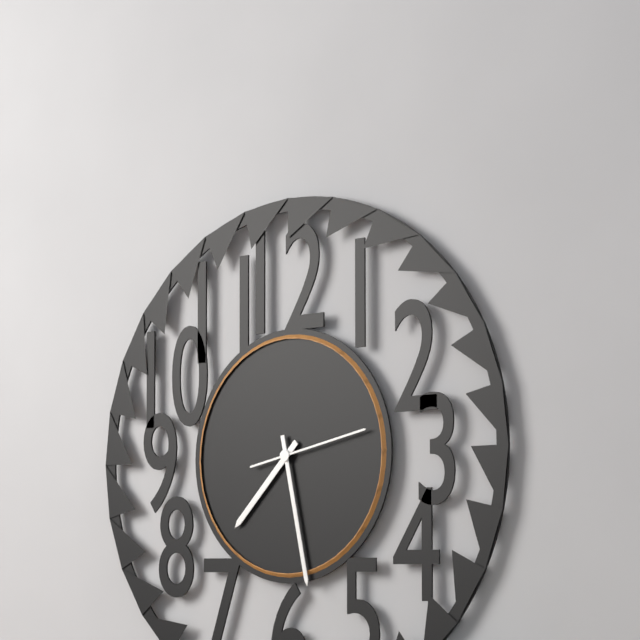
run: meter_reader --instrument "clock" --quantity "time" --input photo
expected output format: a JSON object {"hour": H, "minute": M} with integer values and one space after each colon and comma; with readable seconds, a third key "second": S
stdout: {"hour": 7, "minute": 28, "second": 13}
